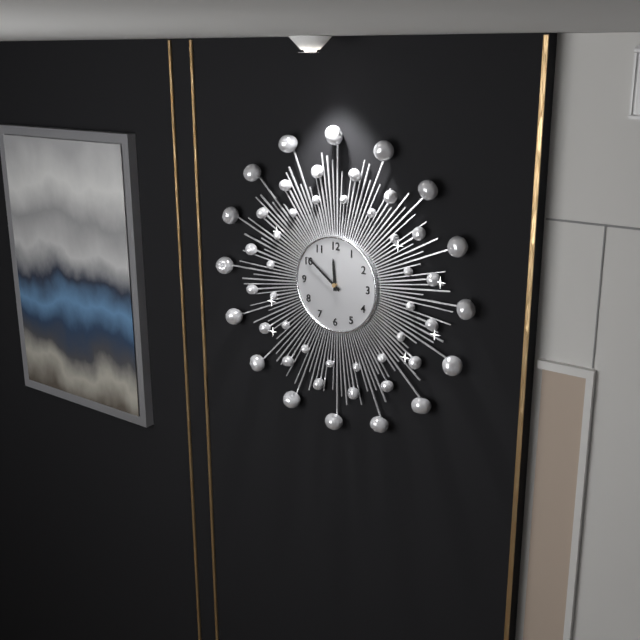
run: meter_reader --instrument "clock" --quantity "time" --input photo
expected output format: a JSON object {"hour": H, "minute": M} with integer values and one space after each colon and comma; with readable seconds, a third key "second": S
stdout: {"hour": 11, "minute": 51}
